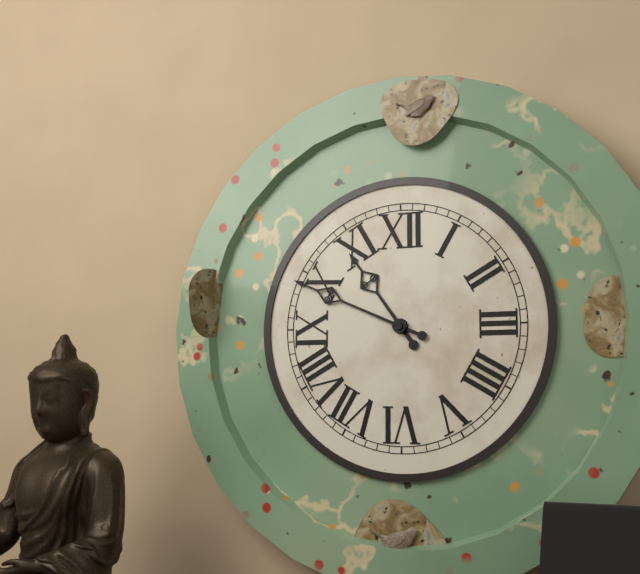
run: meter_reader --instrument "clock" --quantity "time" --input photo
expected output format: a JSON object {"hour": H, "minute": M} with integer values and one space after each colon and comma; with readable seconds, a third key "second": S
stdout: {"hour": 10, "minute": 49}
